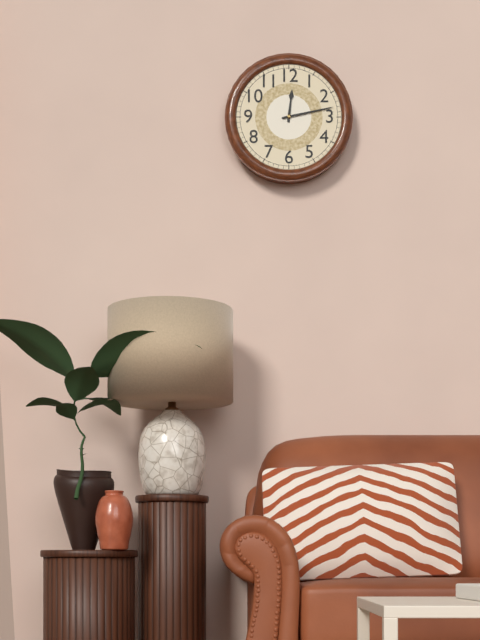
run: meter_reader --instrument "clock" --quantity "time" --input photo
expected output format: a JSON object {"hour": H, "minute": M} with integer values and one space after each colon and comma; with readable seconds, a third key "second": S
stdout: {"hour": 12, "minute": 13}
